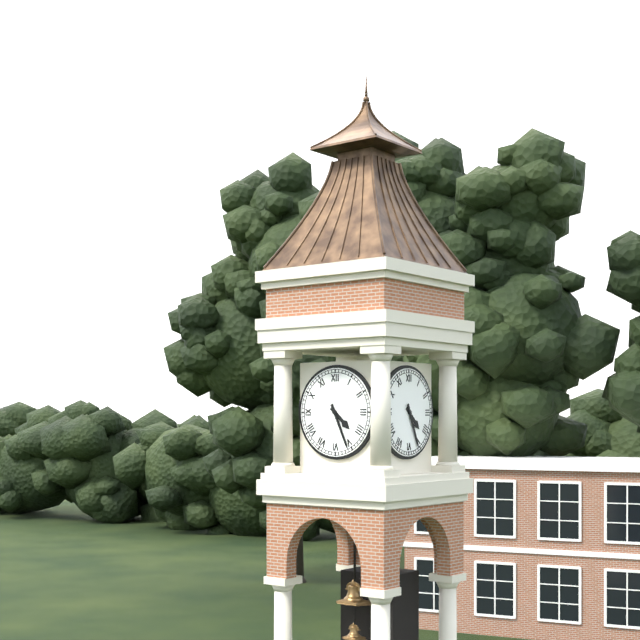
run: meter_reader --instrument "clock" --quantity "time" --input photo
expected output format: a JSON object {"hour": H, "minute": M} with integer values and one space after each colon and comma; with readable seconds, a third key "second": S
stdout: {"hour": 4, "minute": 26}
